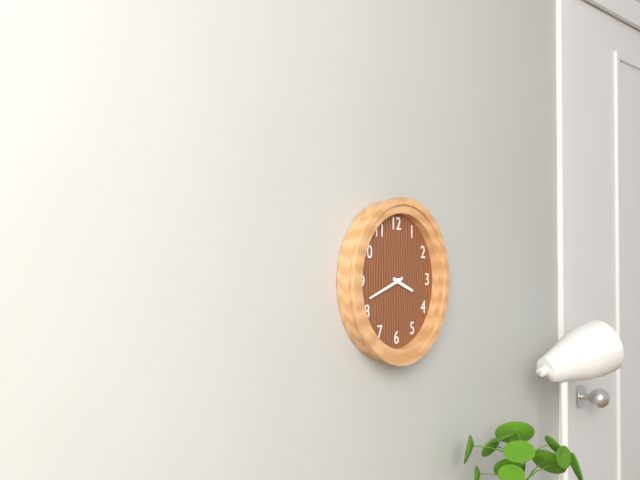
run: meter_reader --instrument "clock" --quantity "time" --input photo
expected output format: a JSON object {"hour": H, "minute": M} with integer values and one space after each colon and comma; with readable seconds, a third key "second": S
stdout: {"hour": 3, "minute": 42}
